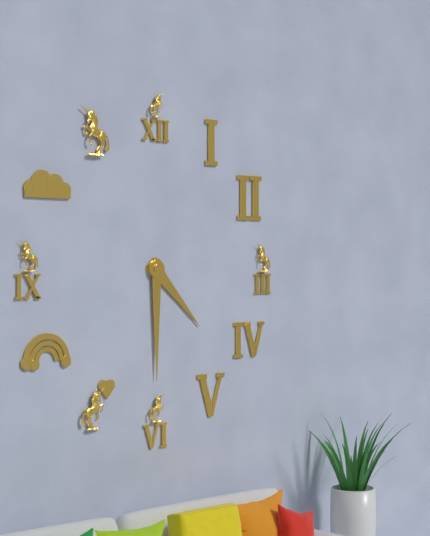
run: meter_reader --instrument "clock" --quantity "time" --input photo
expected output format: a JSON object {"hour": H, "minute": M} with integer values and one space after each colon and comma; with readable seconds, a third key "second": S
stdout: {"hour": 4, "minute": 30}
